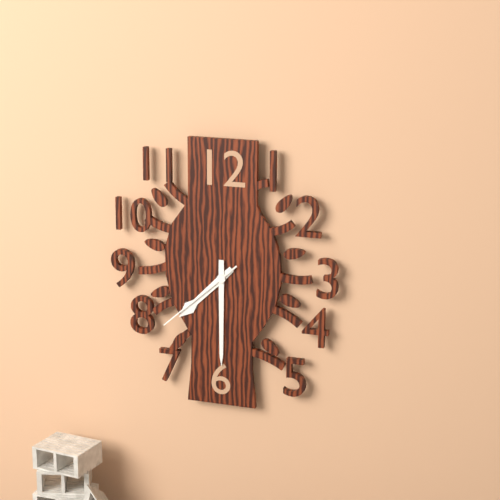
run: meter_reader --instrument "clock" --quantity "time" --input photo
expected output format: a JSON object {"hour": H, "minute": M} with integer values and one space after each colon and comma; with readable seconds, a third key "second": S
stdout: {"hour": 7, "minute": 30, "second": 38}
